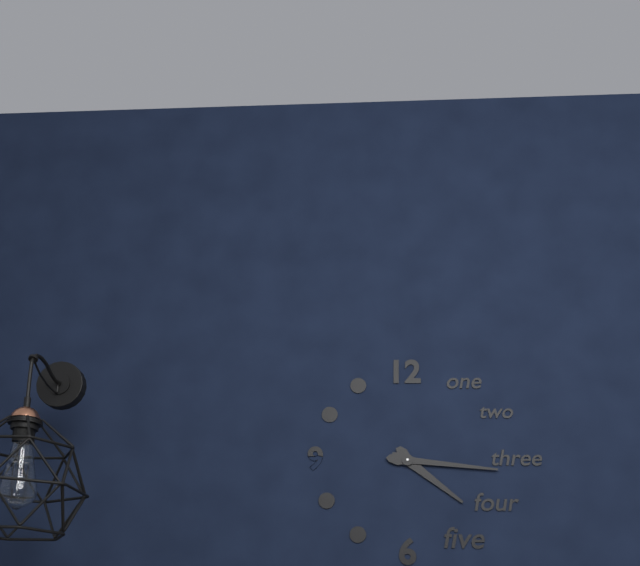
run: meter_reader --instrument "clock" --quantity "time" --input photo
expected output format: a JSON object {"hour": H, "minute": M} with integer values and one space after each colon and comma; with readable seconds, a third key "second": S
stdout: {"hour": 4, "minute": 16}
